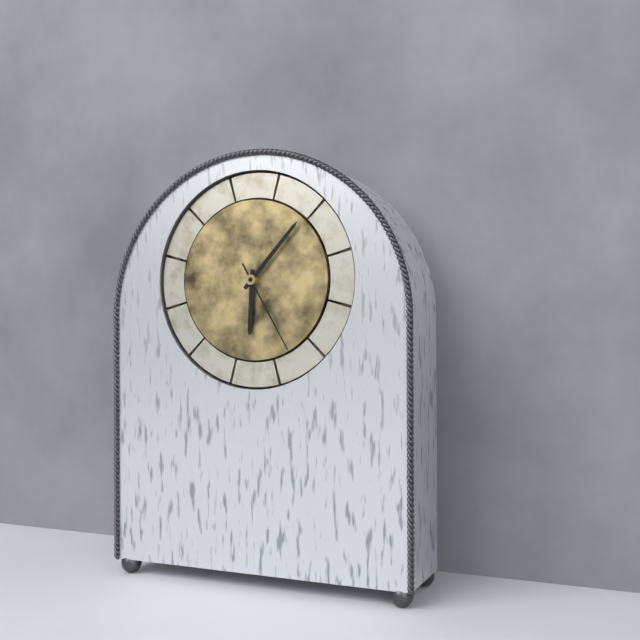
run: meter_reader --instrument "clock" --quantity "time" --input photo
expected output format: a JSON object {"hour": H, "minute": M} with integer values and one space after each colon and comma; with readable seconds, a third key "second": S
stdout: {"hour": 6, "minute": 7, "second": 25}
